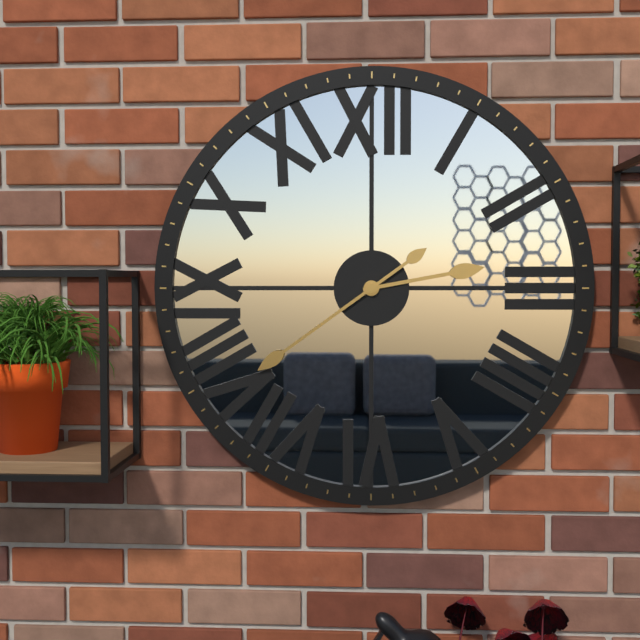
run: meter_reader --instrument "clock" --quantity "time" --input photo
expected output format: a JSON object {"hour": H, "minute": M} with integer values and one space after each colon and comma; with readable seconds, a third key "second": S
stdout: {"hour": 2, "minute": 39}
